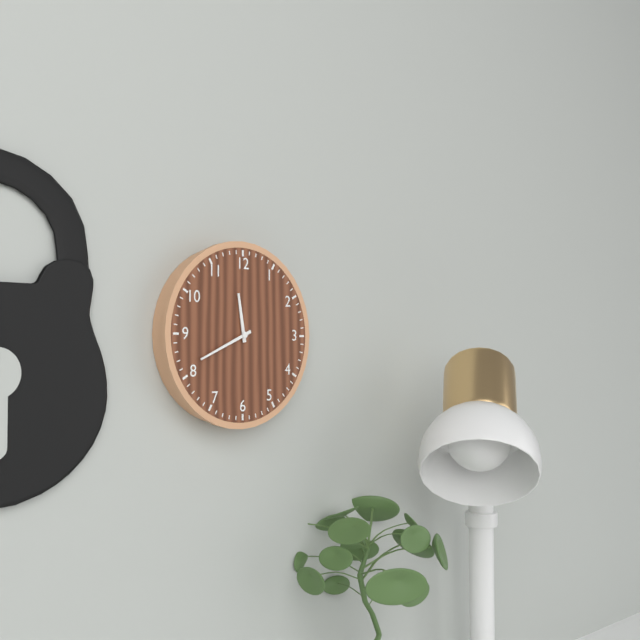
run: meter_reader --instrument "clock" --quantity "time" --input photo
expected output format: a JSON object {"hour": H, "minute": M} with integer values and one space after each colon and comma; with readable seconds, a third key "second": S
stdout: {"hour": 11, "minute": 41}
